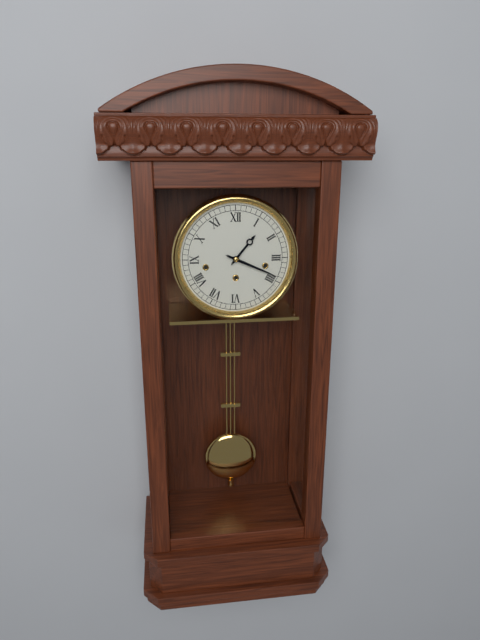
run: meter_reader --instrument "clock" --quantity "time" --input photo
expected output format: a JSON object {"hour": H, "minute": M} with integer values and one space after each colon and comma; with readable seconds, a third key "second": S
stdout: {"hour": 1, "minute": 19}
